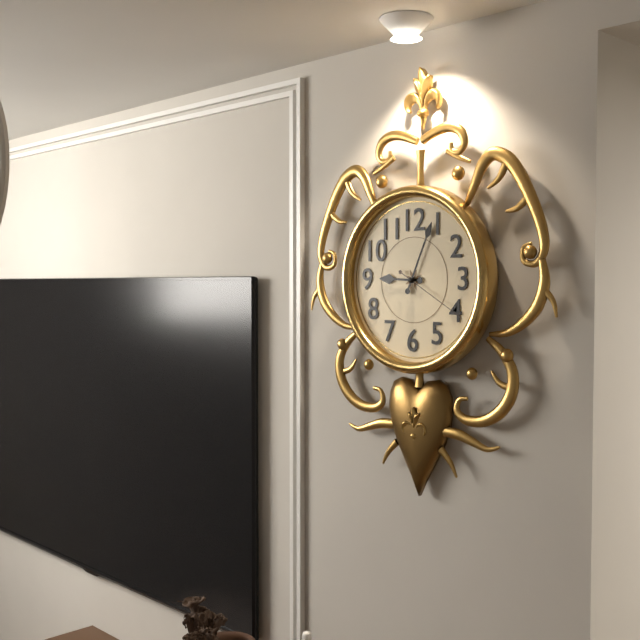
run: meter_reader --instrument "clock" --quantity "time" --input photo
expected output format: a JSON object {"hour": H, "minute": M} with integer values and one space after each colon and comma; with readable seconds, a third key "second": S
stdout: {"hour": 9, "minute": 4, "second": 20}
